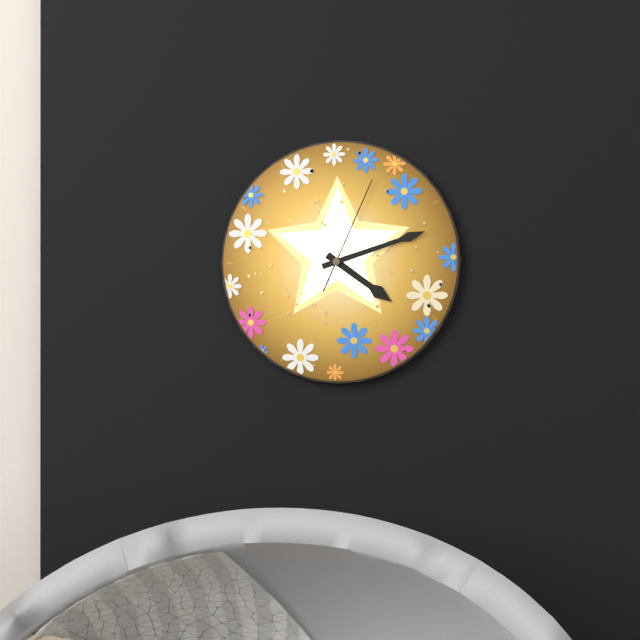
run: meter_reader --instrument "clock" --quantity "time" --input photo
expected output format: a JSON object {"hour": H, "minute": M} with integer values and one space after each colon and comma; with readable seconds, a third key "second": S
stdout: {"hour": 4, "minute": 12, "second": 4}
